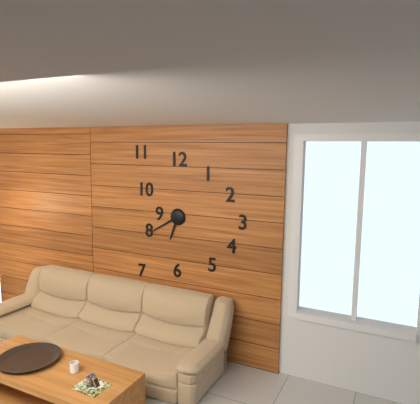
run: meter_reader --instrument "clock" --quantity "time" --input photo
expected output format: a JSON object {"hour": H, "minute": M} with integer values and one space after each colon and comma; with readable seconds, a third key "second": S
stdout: {"hour": 6, "minute": 40}
